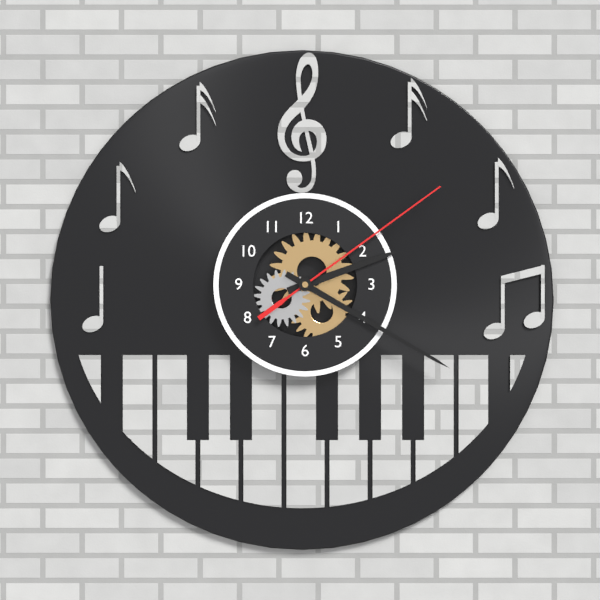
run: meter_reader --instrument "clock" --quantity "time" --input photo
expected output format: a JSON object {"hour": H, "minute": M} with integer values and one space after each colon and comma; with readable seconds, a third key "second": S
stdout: {"hour": 2, "minute": 20, "second": 9}
